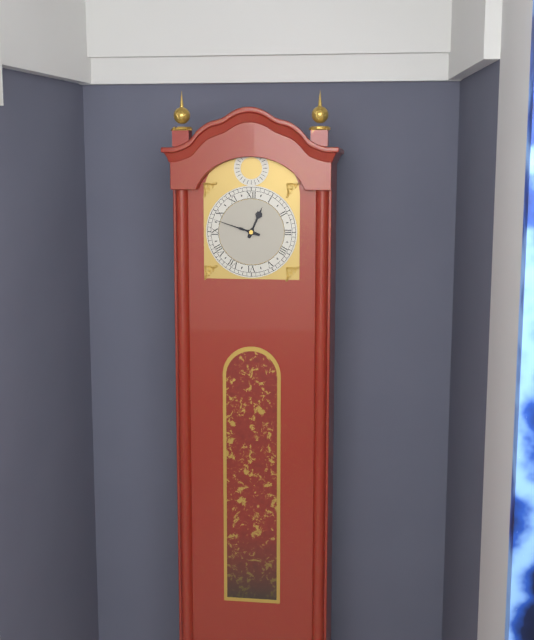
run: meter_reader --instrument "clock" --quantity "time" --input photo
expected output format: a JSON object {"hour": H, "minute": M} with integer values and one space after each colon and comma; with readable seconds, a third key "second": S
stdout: {"hour": 12, "minute": 48}
